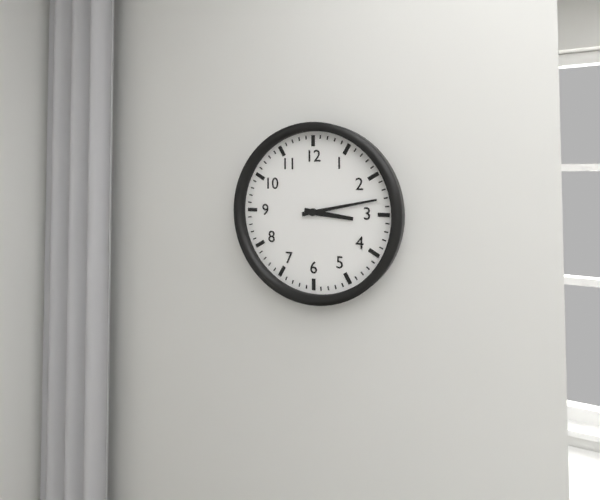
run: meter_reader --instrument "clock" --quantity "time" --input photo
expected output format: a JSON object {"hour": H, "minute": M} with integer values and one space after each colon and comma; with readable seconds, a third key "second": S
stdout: {"hour": 3, "minute": 13}
